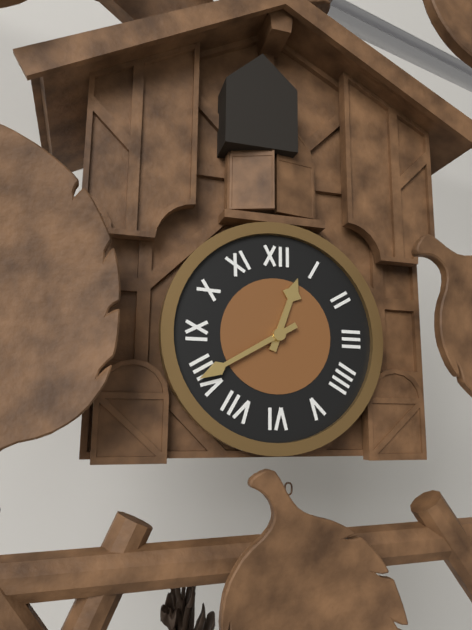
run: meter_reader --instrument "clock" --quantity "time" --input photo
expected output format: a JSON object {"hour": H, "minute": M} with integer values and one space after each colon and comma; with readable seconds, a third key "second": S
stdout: {"hour": 12, "minute": 40}
